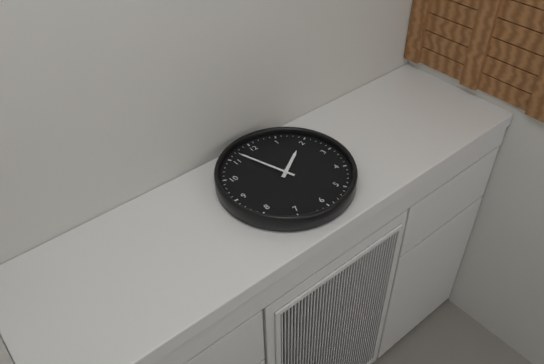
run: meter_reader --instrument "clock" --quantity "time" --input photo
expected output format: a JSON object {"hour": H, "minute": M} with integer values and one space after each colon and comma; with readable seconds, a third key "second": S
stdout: {"hour": 1, "minute": 57}
